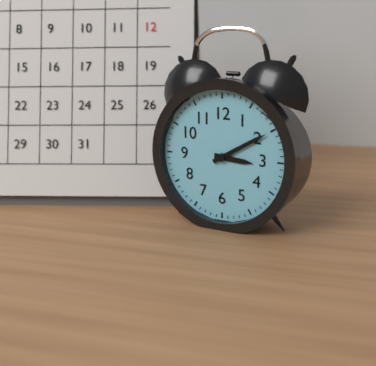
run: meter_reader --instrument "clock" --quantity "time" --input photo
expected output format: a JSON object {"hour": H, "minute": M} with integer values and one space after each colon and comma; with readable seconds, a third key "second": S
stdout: {"hour": 3, "minute": 10}
